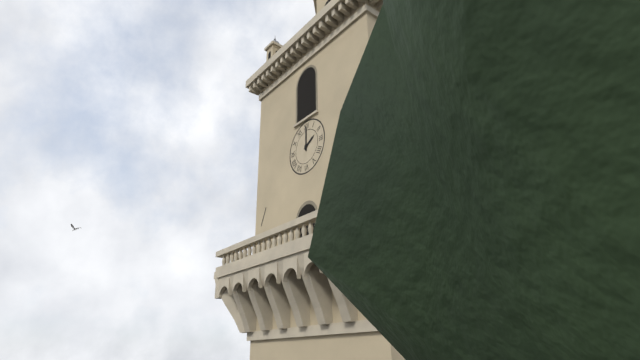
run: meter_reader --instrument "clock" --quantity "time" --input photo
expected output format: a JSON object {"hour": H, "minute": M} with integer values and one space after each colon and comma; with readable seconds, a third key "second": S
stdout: {"hour": 2, "minute": 0}
